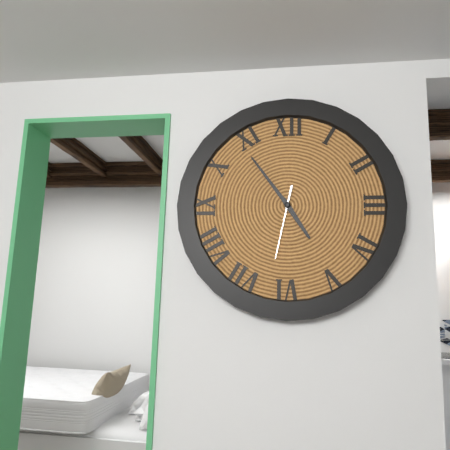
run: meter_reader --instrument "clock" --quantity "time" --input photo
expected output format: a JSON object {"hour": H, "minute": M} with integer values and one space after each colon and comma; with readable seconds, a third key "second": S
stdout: {"hour": 4, "minute": 54, "second": 32}
